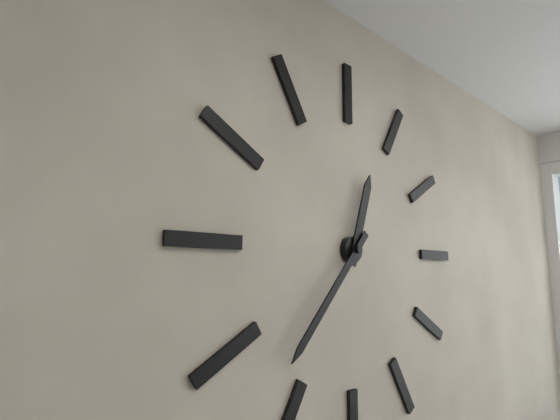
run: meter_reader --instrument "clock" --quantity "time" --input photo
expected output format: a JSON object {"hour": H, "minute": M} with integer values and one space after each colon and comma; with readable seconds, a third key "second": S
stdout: {"hour": 12, "minute": 37}
